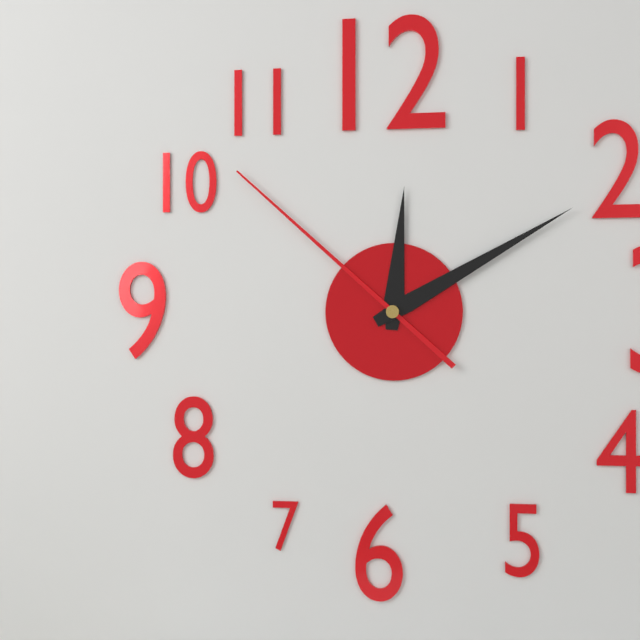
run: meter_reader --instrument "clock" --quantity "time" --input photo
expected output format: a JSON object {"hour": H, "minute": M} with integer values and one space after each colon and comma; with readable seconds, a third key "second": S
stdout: {"hour": 12, "minute": 10, "second": 52}
